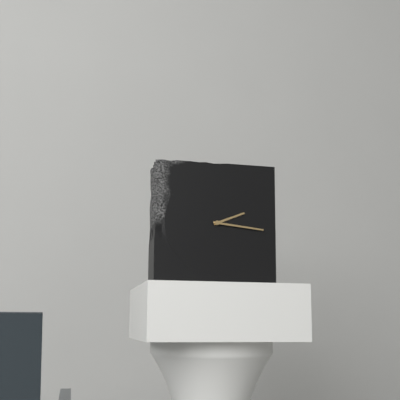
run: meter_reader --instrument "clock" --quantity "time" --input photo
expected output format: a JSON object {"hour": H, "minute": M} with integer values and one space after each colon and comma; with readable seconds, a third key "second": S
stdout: {"hour": 2, "minute": 16}
